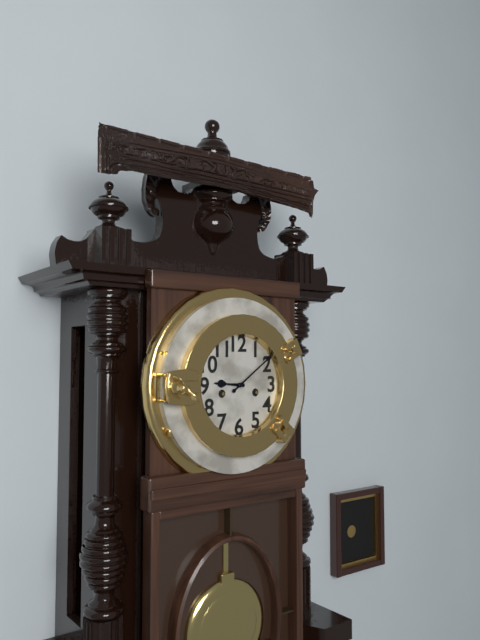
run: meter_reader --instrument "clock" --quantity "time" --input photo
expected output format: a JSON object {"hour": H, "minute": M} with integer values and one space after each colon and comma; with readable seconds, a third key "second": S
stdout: {"hour": 9, "minute": 9}
